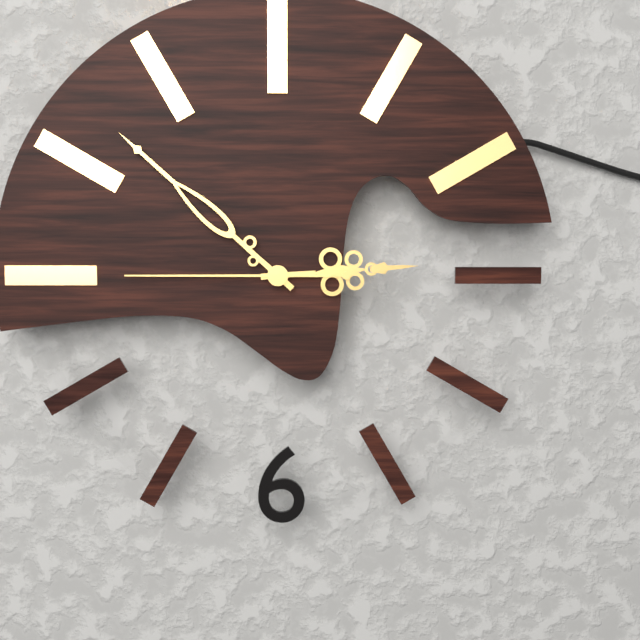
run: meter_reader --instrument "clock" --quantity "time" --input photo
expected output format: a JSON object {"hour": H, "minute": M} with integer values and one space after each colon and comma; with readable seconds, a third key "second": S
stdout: {"hour": 2, "minute": 52, "second": 45}
